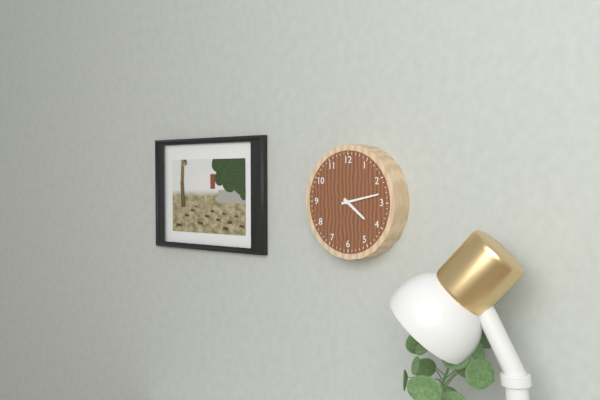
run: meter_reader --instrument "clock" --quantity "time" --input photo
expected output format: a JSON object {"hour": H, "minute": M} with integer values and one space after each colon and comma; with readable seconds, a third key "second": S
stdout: {"hour": 4, "minute": 13}
